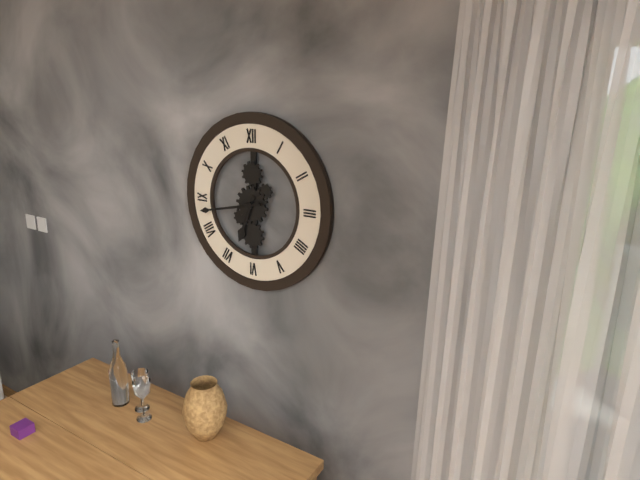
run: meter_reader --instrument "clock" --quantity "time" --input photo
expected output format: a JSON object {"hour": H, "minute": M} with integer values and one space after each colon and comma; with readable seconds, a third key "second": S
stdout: {"hour": 6, "minute": 43}
